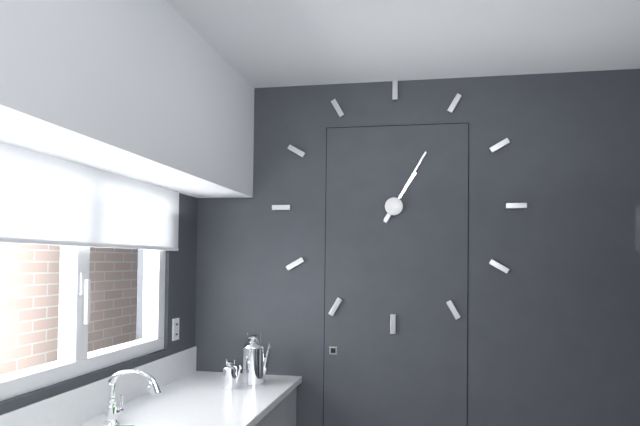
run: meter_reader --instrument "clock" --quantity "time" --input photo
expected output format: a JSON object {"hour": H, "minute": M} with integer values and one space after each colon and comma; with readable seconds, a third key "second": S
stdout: {"hour": 1, "minute": 5}
